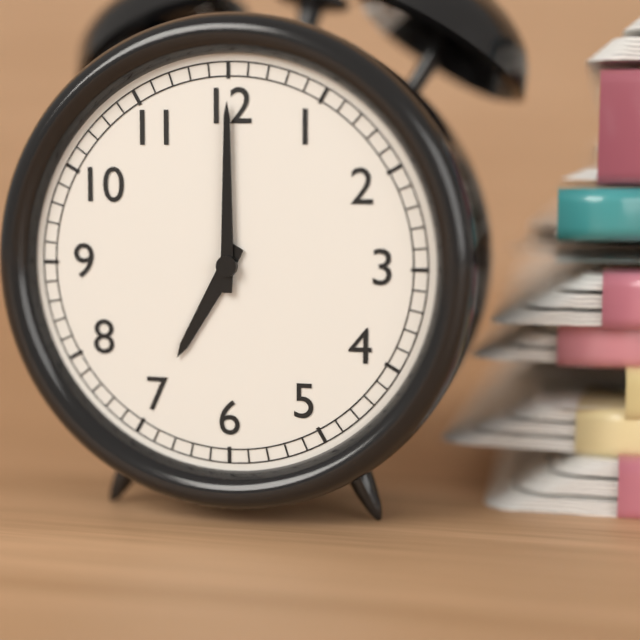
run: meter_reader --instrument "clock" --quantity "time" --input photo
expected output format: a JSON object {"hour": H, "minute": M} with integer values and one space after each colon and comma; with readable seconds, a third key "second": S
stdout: {"hour": 7, "minute": 0}
